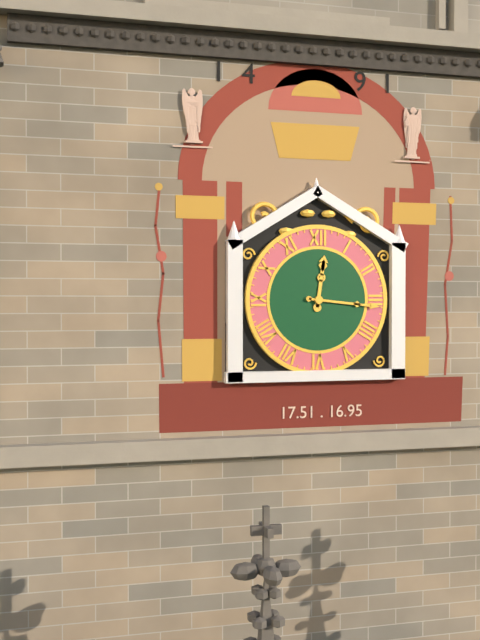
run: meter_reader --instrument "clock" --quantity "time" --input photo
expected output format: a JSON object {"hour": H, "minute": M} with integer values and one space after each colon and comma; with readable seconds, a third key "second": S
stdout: {"hour": 12, "minute": 16}
